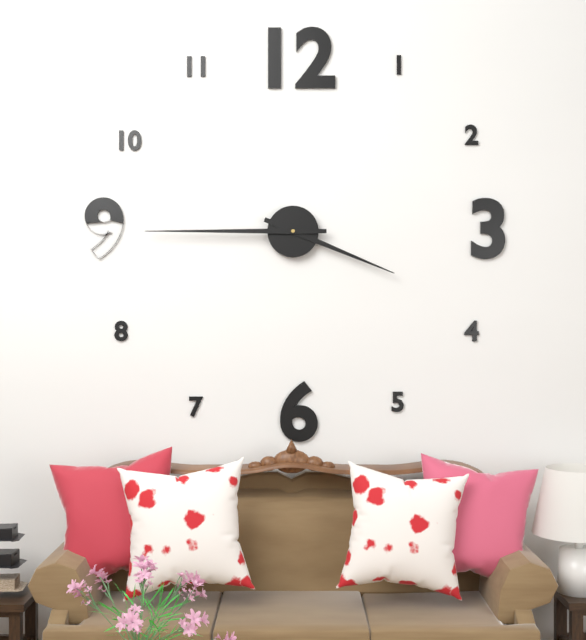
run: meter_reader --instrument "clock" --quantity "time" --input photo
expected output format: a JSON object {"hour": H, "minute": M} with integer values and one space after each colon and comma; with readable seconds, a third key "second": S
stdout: {"hour": 3, "minute": 45}
